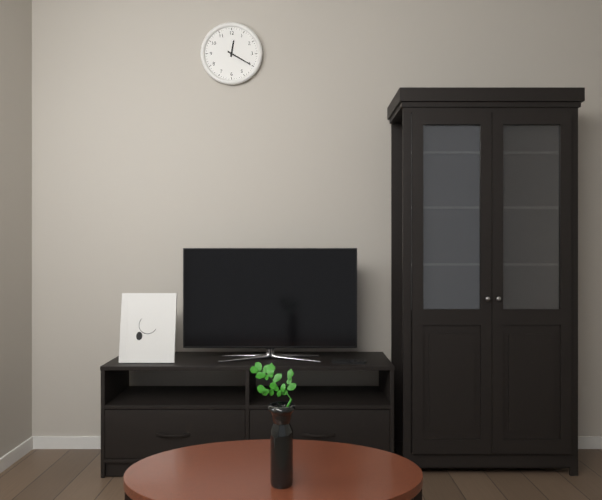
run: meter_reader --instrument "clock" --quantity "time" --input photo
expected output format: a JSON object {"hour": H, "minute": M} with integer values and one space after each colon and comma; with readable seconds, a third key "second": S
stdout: {"hour": 12, "minute": 20}
